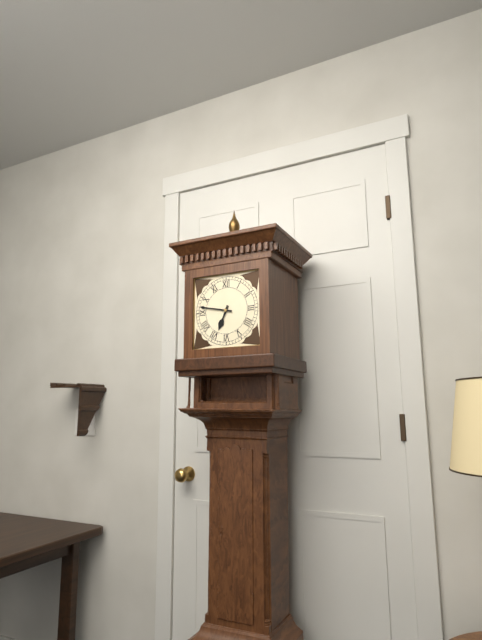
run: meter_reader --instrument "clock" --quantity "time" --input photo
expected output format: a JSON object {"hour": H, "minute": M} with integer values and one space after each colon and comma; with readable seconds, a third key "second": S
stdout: {"hour": 6, "minute": 47}
